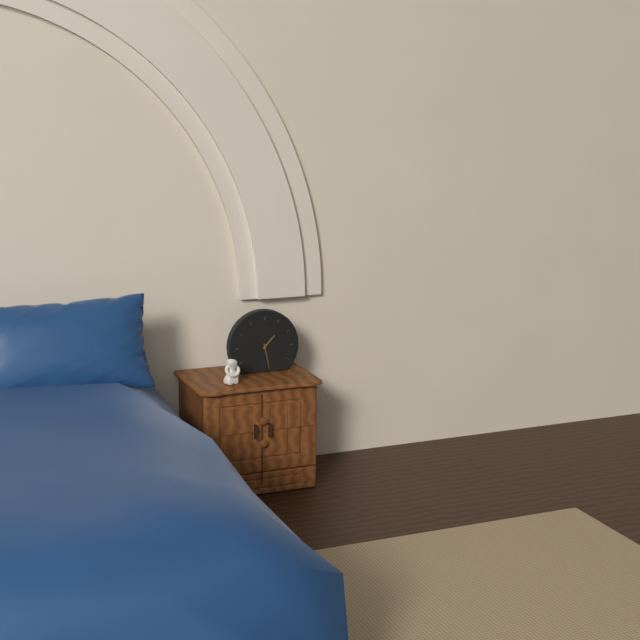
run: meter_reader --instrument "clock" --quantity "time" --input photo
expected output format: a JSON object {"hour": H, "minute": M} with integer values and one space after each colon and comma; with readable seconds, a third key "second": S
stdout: {"hour": 1, "minute": 28}
